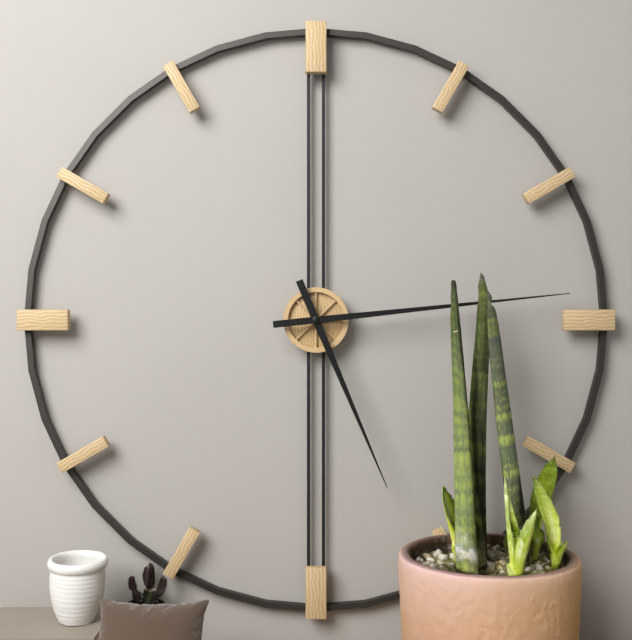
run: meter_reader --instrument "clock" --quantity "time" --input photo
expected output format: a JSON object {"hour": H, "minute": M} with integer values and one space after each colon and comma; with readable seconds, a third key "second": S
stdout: {"hour": 5, "minute": 14}
